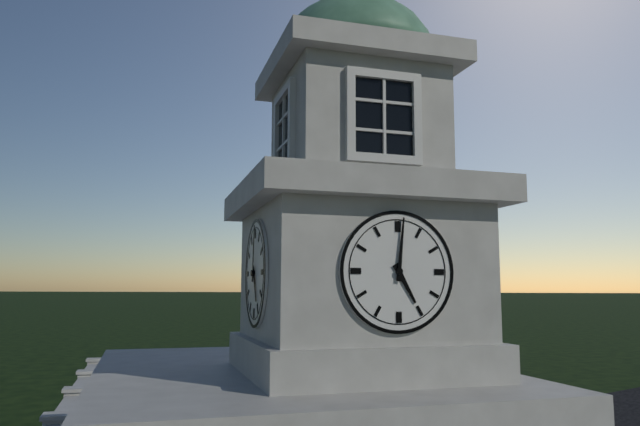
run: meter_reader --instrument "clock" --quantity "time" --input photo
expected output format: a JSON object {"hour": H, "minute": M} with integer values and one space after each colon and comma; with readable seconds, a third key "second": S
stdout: {"hour": 5, "minute": 1}
